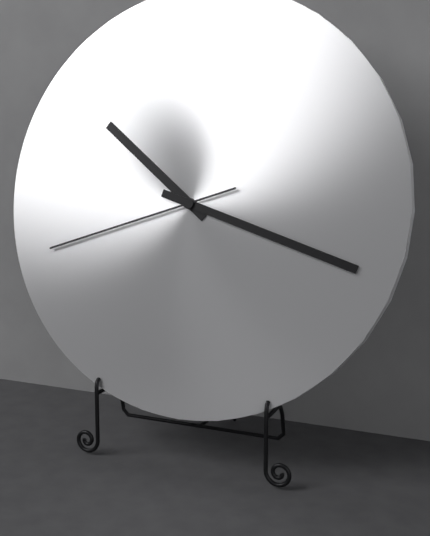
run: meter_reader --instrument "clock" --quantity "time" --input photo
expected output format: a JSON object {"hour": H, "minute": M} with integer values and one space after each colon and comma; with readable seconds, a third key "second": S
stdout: {"hour": 10, "minute": 18, "second": 42}
